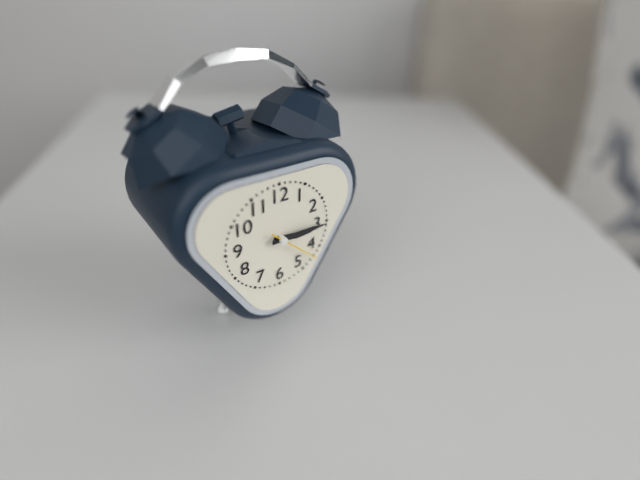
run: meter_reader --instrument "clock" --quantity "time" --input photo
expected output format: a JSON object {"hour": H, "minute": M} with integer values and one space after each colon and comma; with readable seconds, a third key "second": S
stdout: {"hour": 3, "minute": 15}
